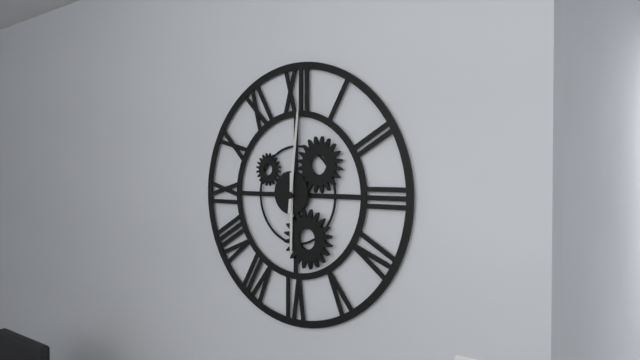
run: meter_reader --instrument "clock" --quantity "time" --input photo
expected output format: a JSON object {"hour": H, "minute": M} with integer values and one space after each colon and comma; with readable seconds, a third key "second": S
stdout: {"hour": 6, "minute": 1}
